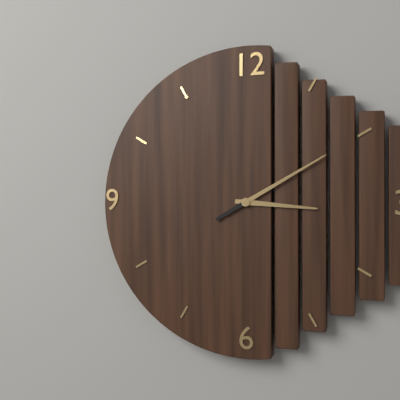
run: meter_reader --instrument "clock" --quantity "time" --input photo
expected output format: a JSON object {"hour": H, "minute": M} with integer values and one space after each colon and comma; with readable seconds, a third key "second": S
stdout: {"hour": 3, "minute": 10}
